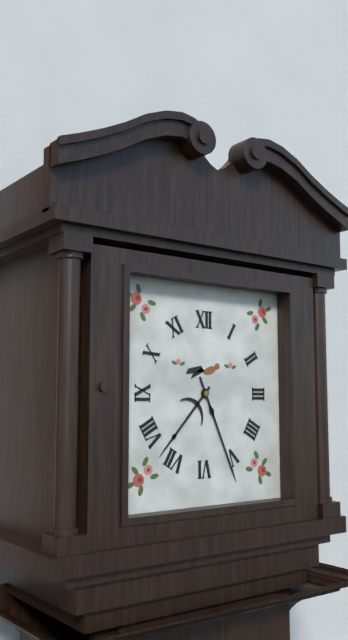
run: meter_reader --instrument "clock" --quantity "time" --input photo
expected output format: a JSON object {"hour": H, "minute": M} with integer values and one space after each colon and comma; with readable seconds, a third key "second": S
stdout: {"hour": 7, "minute": 26}
